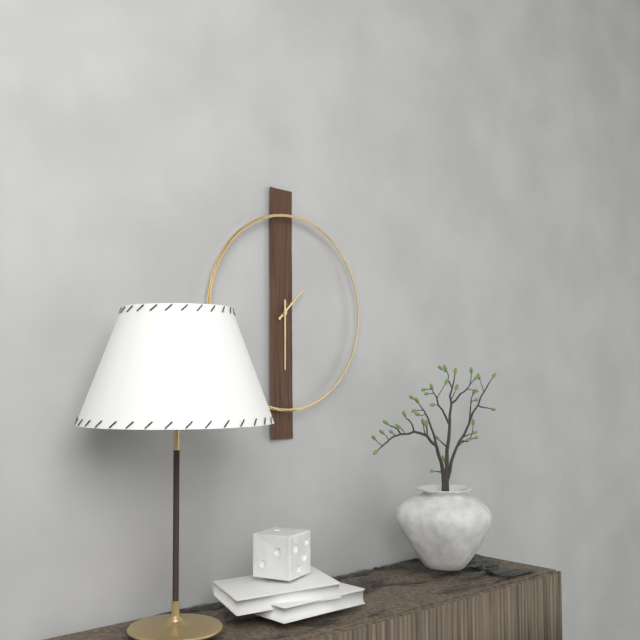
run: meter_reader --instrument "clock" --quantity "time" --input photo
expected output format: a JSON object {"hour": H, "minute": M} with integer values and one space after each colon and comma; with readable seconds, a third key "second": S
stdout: {"hour": 1, "minute": 30}
